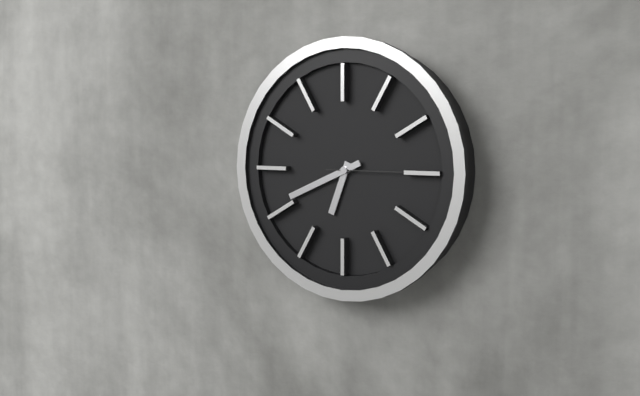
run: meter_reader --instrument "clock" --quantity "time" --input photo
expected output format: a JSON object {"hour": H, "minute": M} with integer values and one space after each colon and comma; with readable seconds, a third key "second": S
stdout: {"hour": 6, "minute": 41, "second": 15}
